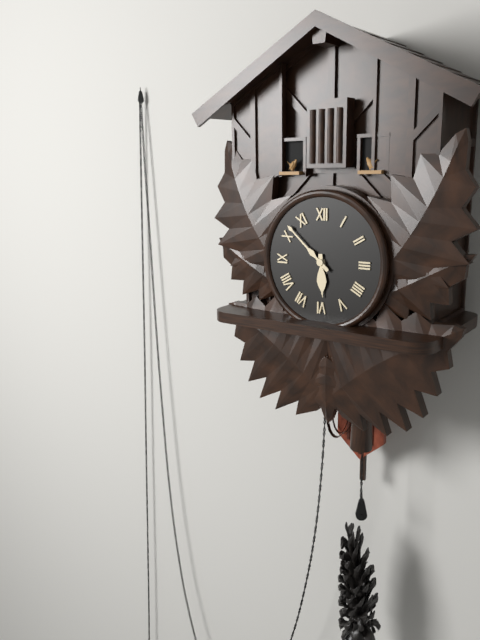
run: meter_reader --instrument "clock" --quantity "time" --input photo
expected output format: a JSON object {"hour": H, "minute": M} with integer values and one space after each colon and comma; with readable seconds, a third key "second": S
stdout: {"hour": 5, "minute": 52}
